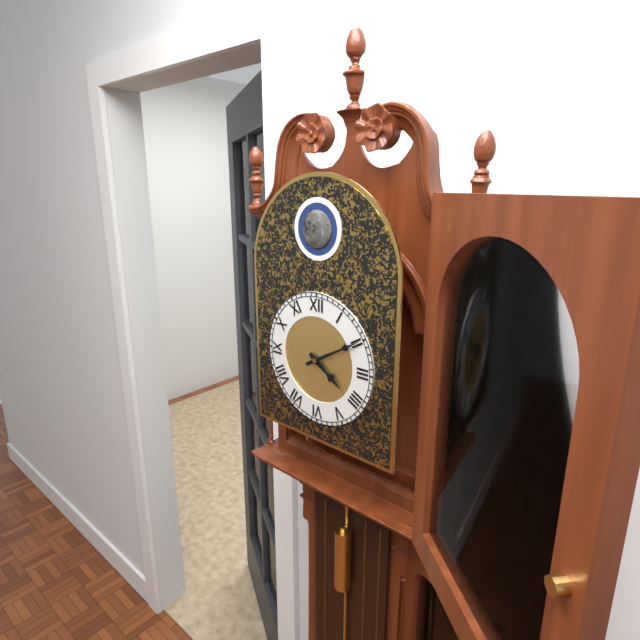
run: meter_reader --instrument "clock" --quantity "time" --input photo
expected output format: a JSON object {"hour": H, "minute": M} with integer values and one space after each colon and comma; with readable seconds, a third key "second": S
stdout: {"hour": 4, "minute": 10}
